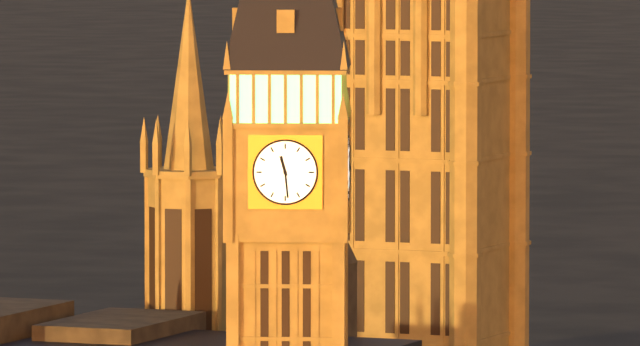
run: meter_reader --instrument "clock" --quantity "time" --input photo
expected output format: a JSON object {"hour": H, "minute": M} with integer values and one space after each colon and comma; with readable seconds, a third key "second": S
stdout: {"hour": 11, "minute": 29}
